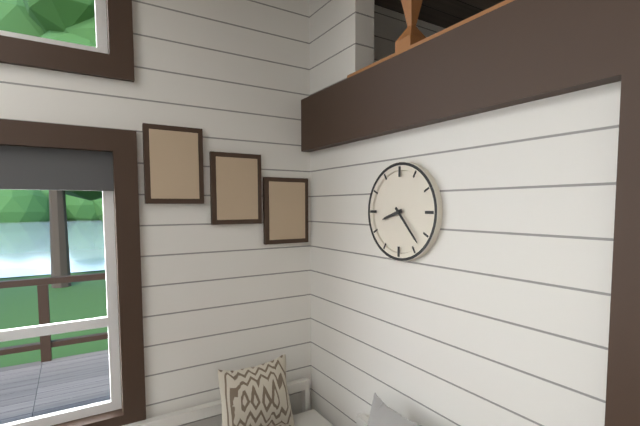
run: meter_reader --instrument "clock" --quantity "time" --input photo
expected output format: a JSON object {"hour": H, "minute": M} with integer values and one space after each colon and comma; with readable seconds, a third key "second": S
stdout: {"hour": 8, "minute": 23}
